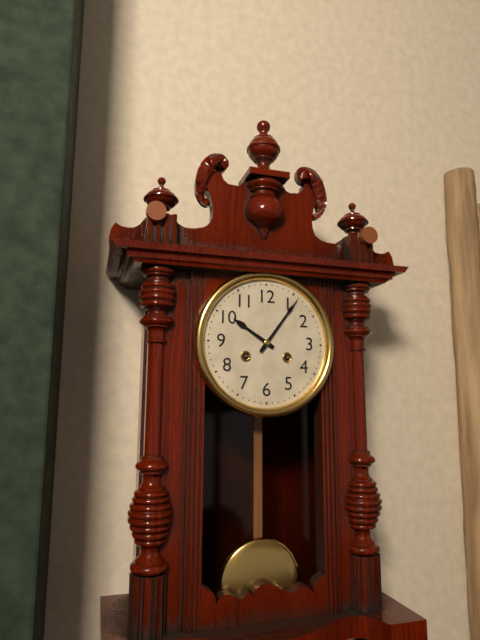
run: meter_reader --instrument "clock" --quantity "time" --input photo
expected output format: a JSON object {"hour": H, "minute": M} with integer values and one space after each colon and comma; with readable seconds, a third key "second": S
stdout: {"hour": 10, "minute": 6}
